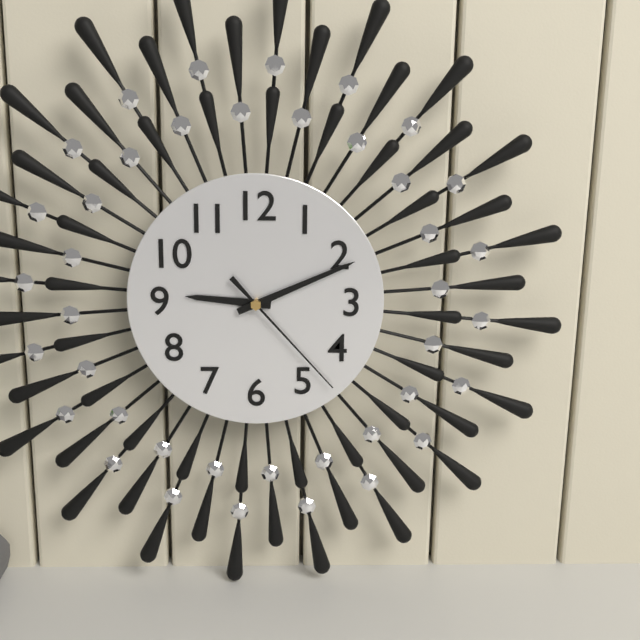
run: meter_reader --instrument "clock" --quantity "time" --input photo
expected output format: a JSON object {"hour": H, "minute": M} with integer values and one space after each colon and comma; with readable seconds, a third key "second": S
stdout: {"hour": 9, "minute": 11, "second": 23}
